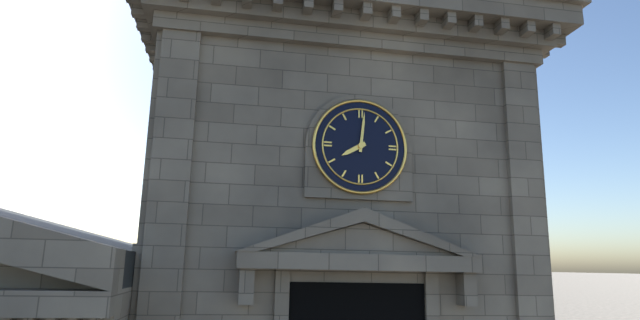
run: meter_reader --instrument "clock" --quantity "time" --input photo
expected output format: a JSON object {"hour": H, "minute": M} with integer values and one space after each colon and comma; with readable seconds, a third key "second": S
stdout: {"hour": 8, "minute": 1}
